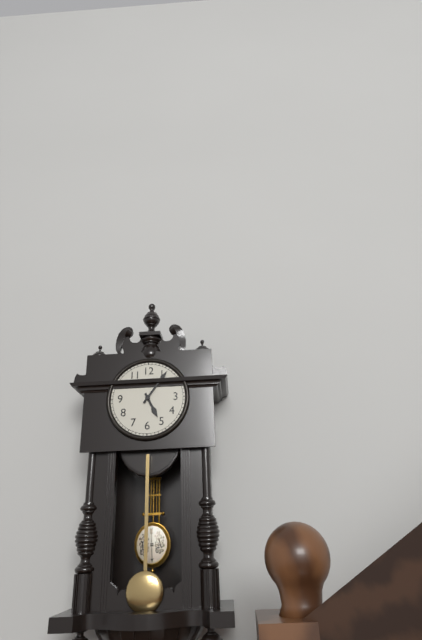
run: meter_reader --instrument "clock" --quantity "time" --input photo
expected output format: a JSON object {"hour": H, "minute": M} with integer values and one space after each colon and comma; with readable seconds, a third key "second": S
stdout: {"hour": 5, "minute": 6}
